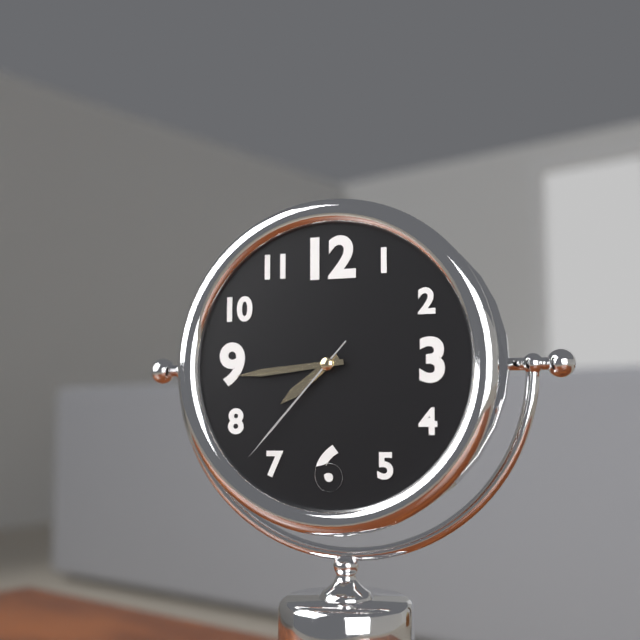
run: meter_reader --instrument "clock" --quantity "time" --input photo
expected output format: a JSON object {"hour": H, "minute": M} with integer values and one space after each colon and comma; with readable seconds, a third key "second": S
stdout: {"hour": 7, "minute": 44, "second": 37}
